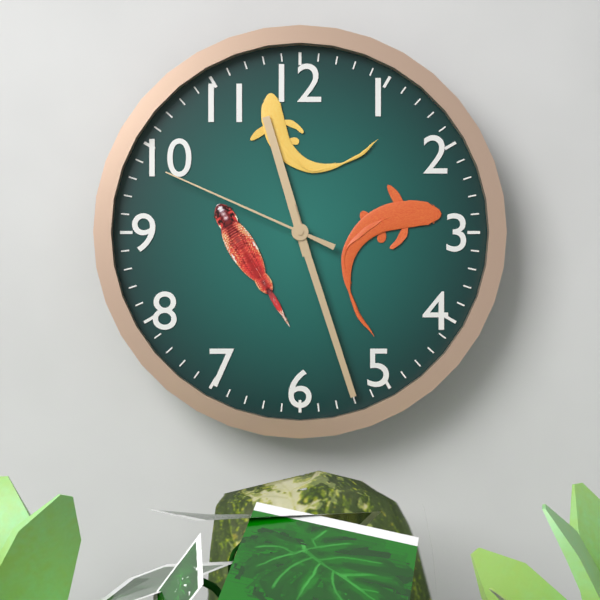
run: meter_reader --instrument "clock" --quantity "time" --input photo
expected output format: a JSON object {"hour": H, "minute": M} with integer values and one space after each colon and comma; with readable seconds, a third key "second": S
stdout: {"hour": 11, "minute": 27, "second": 49}
